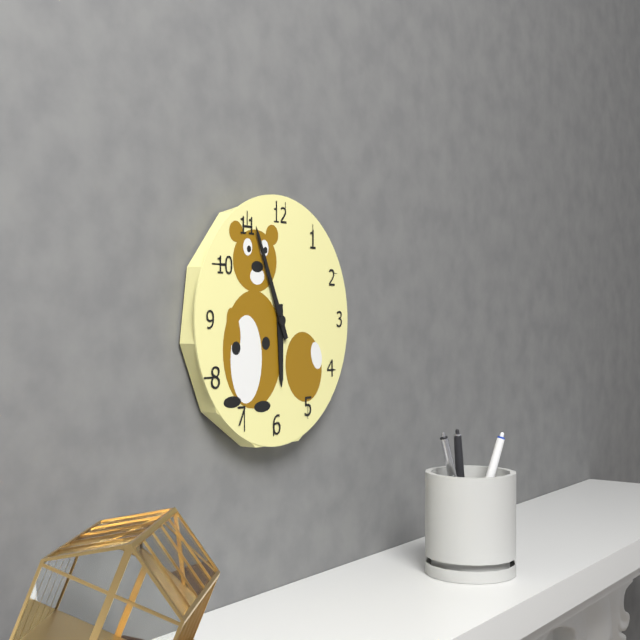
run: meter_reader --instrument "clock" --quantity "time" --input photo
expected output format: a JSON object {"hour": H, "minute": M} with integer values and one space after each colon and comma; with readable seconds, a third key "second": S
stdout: {"hour": 5, "minute": 56}
